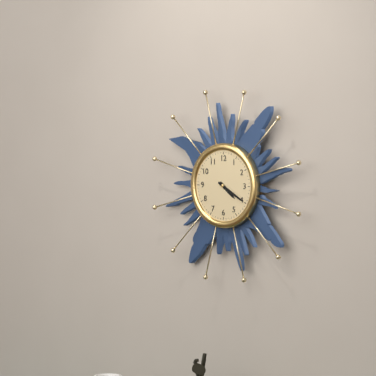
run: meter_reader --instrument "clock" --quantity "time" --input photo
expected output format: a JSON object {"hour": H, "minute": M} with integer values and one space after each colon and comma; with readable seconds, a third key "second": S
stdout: {"hour": 4, "minute": 20}
